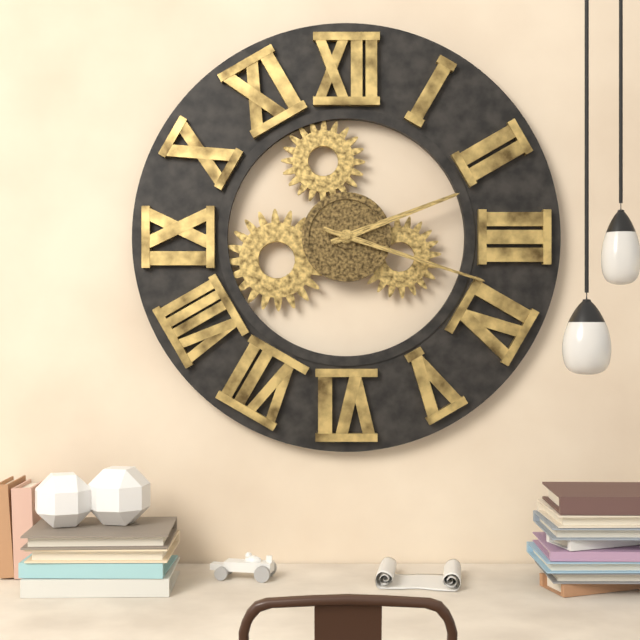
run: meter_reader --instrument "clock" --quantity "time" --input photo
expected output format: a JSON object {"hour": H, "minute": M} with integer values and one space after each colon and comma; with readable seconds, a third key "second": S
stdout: {"hour": 2, "minute": 18}
